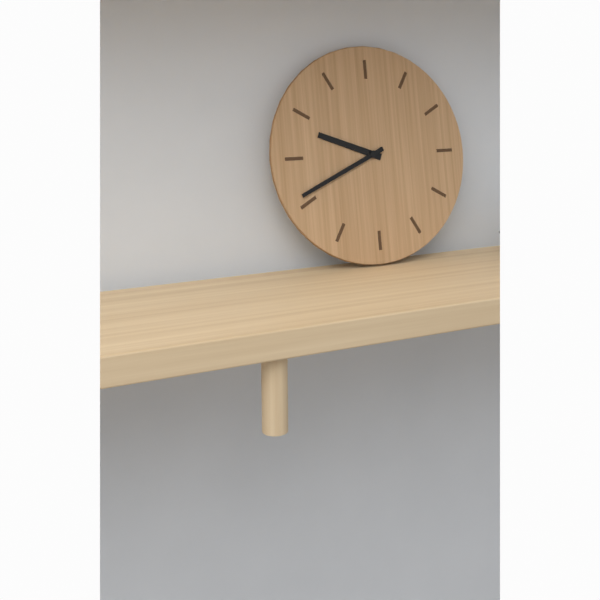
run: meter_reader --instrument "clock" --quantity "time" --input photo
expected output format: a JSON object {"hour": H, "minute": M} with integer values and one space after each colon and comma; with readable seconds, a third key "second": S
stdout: {"hour": 9, "minute": 41}
